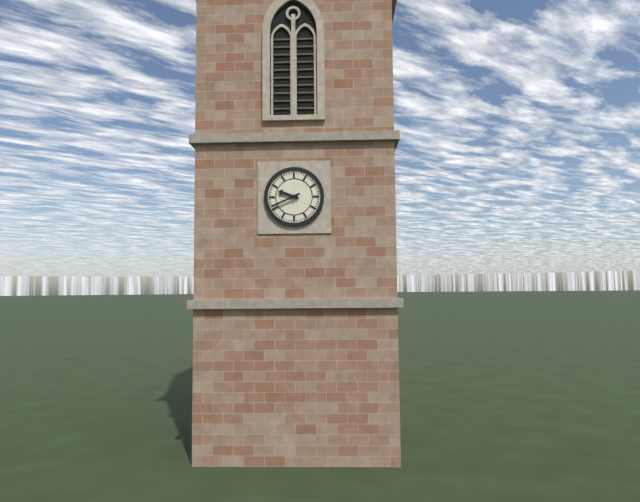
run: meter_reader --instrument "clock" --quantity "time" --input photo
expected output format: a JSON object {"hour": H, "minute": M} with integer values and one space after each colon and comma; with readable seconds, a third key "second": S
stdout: {"hour": 9, "minute": 41}
